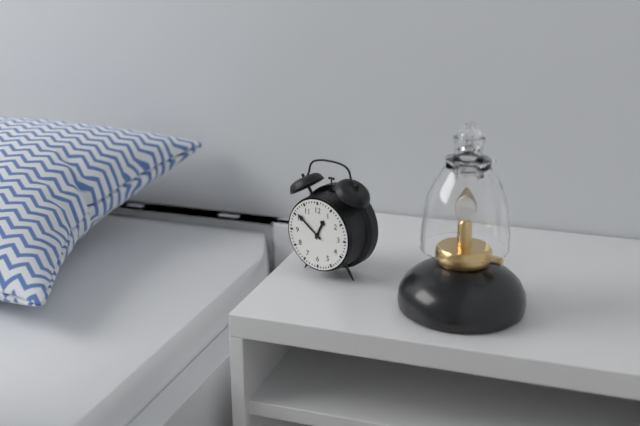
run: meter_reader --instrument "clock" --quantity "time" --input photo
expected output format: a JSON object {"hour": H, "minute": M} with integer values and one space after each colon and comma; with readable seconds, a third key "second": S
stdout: {"hour": 12, "minute": 51}
